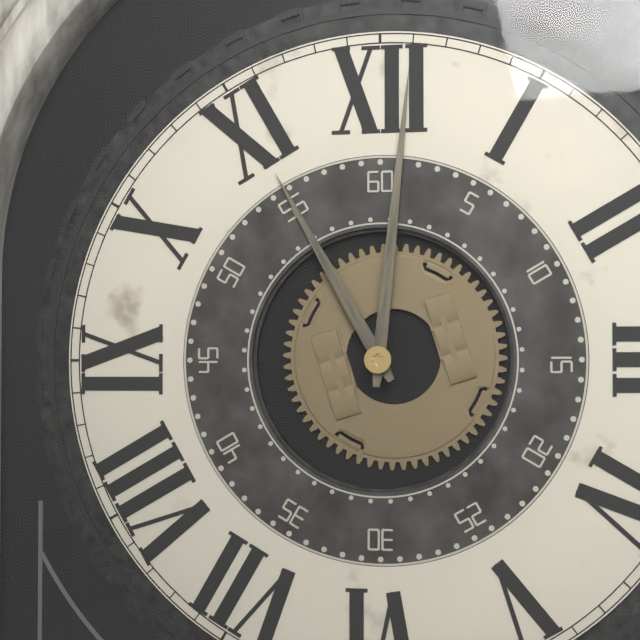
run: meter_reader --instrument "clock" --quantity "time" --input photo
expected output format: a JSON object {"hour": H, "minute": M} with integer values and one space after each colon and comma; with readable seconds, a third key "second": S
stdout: {"hour": 11, "minute": 1}
